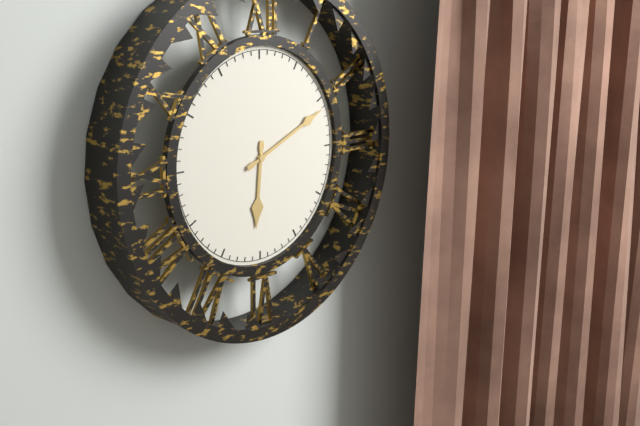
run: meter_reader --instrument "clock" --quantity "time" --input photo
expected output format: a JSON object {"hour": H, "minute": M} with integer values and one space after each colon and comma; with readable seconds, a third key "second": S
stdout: {"hour": 6, "minute": 11}
